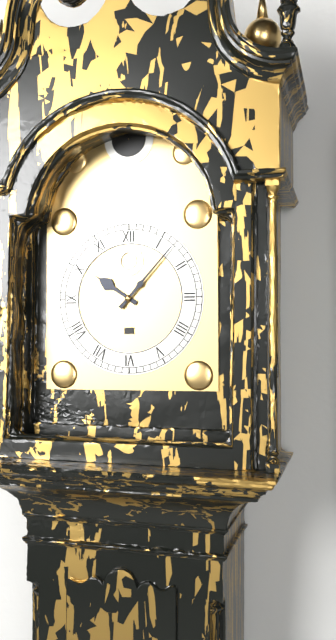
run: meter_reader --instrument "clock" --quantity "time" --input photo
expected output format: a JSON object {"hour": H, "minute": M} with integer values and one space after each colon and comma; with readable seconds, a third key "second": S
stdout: {"hour": 10, "minute": 7}
